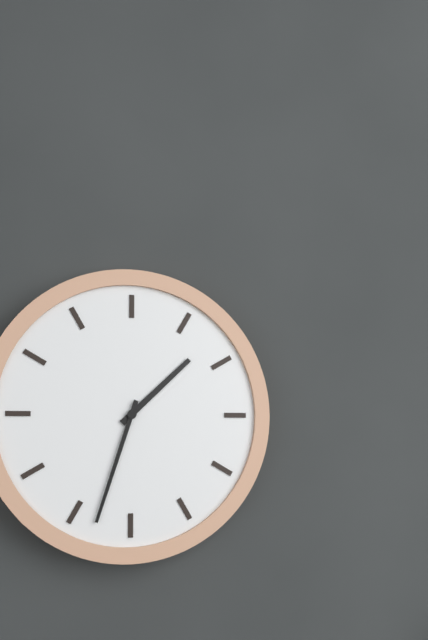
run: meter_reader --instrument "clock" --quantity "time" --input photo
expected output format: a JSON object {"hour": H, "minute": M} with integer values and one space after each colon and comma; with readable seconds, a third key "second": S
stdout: {"hour": 1, "minute": 33}
